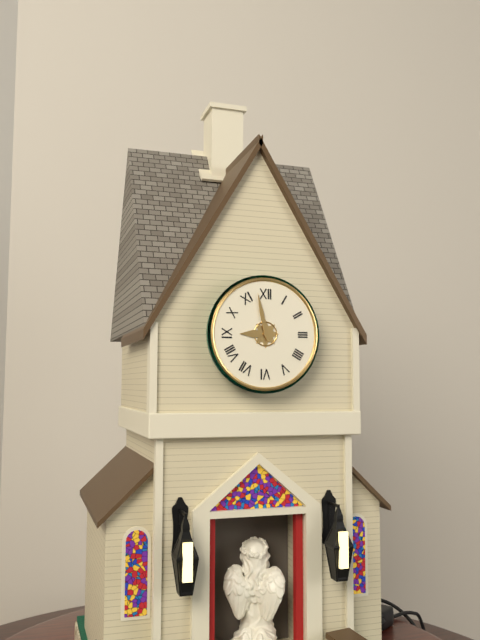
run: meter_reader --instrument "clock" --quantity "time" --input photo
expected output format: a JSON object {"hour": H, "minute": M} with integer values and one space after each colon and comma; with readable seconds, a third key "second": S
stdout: {"hour": 8, "minute": 58}
